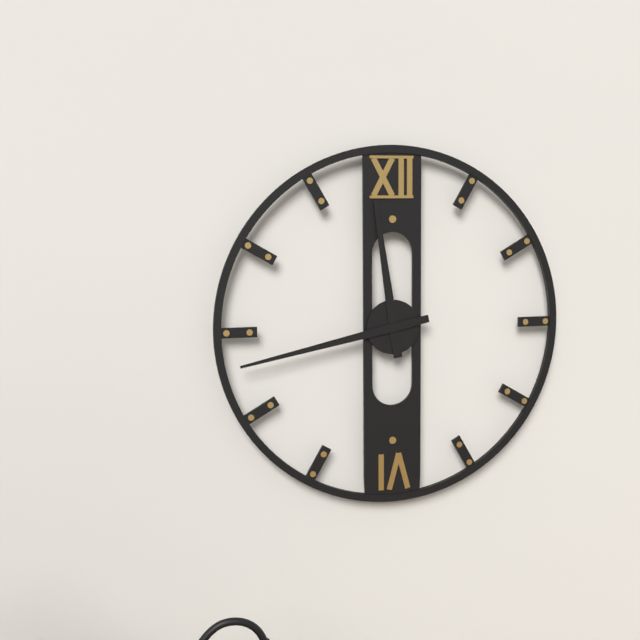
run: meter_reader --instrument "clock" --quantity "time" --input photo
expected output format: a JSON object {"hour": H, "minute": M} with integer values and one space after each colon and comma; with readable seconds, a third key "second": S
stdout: {"hour": 11, "minute": 43}
